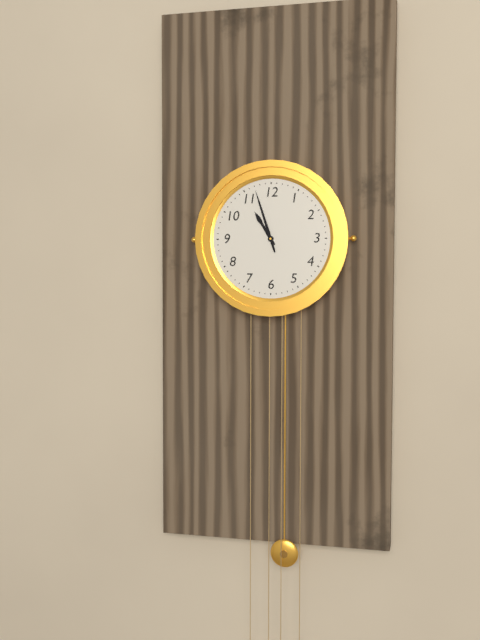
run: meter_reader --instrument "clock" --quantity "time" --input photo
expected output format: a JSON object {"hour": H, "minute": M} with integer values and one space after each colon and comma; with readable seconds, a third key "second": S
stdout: {"hour": 10, "minute": 57}
